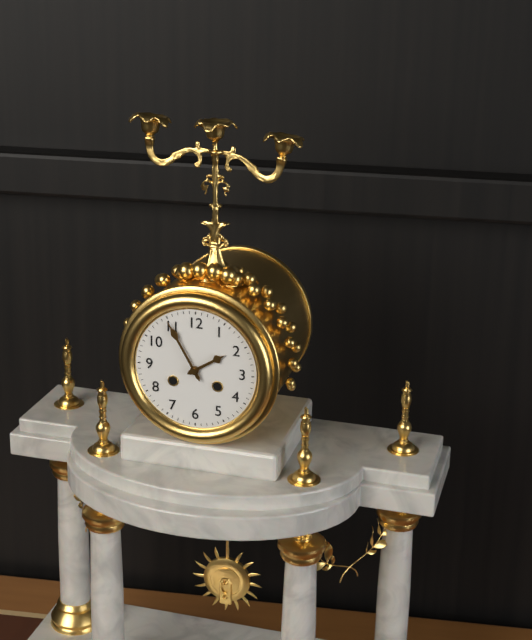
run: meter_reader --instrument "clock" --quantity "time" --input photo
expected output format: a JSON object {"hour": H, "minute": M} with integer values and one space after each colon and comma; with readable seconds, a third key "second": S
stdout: {"hour": 1, "minute": 55}
